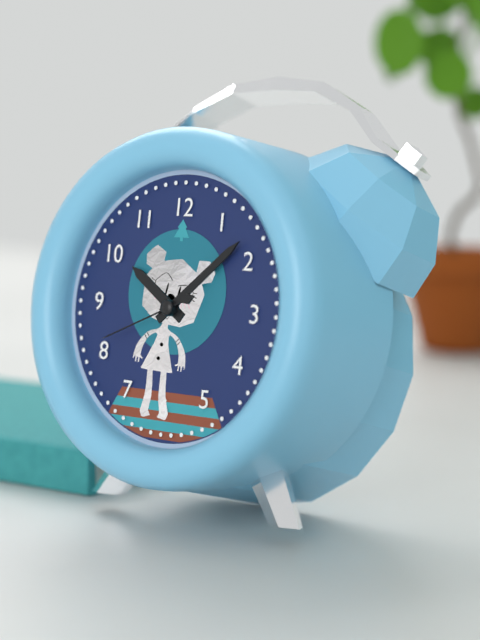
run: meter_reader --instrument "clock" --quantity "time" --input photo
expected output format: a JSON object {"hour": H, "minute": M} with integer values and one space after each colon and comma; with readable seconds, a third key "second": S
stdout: {"hour": 10, "minute": 8, "second": 41}
